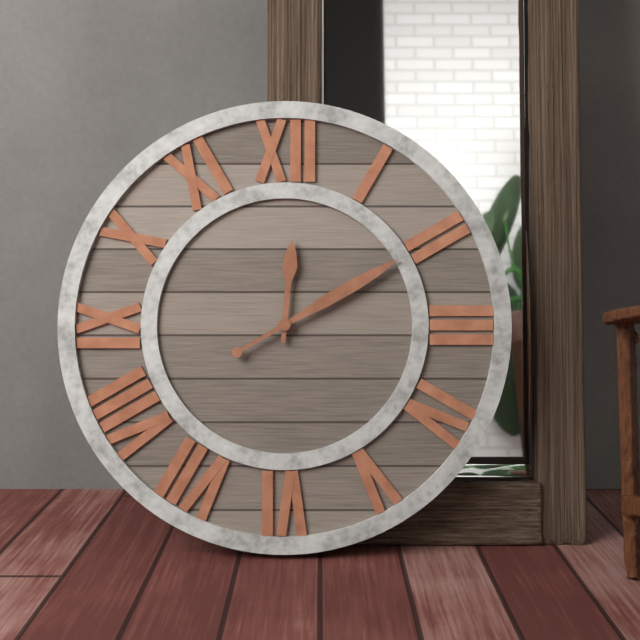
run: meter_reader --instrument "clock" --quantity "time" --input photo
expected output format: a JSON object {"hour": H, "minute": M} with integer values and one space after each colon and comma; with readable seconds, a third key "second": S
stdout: {"hour": 12, "minute": 10}
